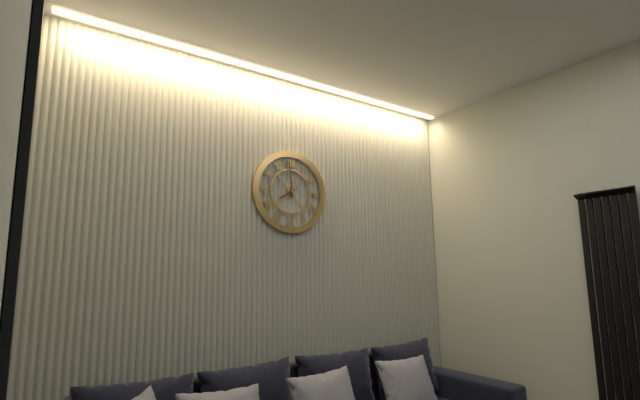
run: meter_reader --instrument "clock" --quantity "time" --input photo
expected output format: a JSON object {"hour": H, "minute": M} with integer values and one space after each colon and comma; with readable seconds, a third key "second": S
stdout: {"hour": 7, "minute": 59}
